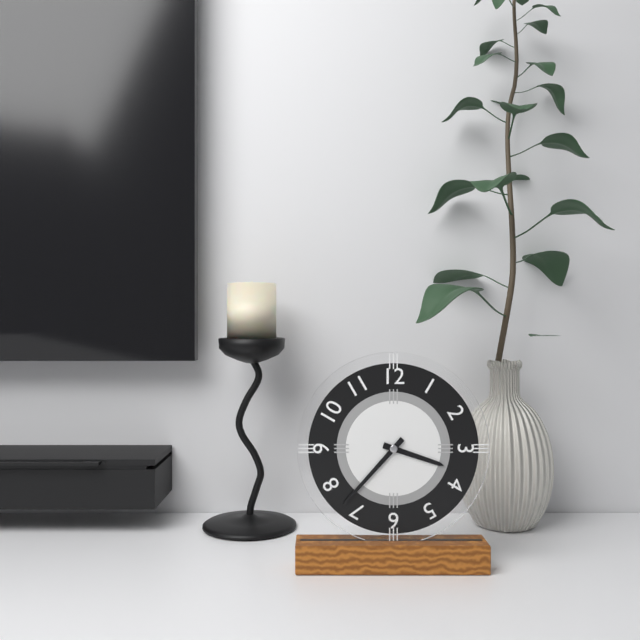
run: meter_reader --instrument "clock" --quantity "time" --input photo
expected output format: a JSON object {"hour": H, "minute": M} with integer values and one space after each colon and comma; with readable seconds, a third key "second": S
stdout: {"hour": 3, "minute": 37}
